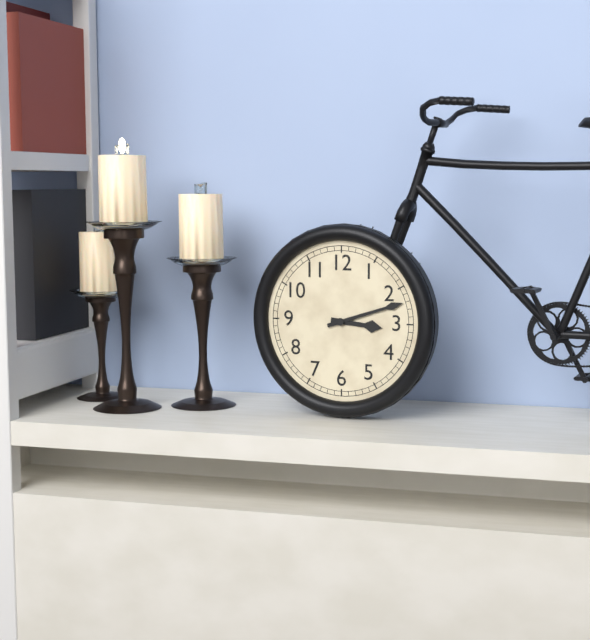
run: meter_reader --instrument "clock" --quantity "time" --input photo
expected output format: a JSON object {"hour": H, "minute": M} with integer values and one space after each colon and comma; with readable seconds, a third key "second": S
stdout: {"hour": 3, "minute": 12}
